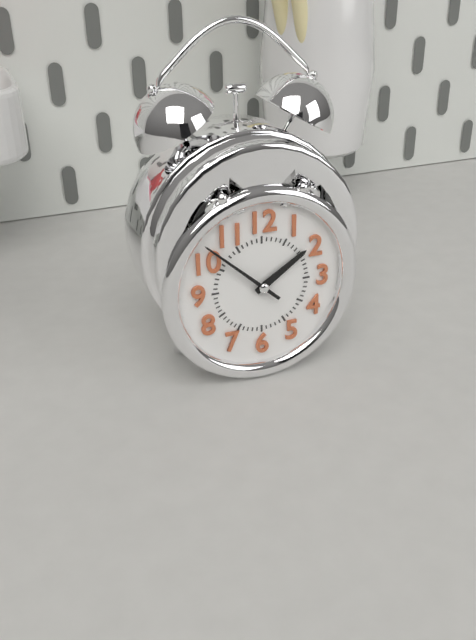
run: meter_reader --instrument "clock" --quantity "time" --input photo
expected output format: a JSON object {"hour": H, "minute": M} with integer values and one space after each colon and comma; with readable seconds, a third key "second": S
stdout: {"hour": 1, "minute": 52}
